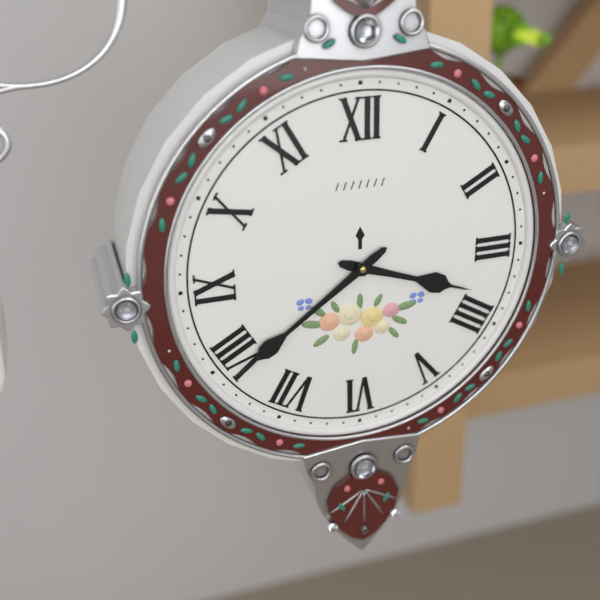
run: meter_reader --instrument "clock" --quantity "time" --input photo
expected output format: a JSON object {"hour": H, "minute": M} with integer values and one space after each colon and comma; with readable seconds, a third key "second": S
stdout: {"hour": 3, "minute": 39}
